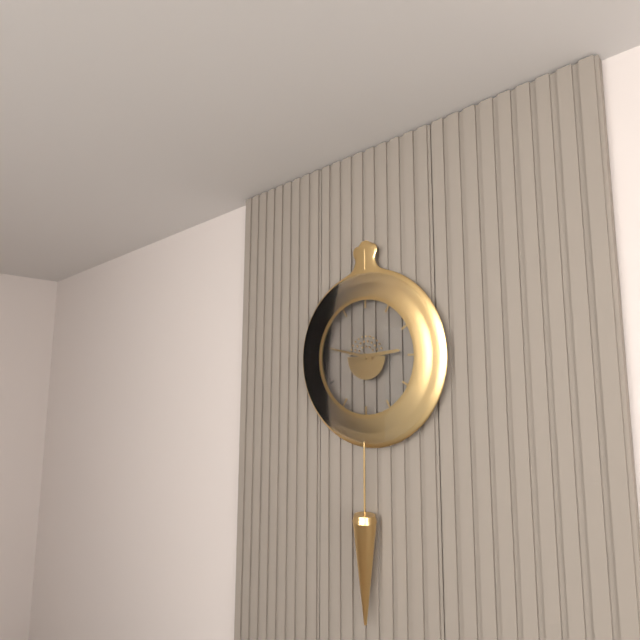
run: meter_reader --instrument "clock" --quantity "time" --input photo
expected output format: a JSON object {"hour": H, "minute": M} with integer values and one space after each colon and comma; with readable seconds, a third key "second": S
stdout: {"hour": 2, "minute": 47}
